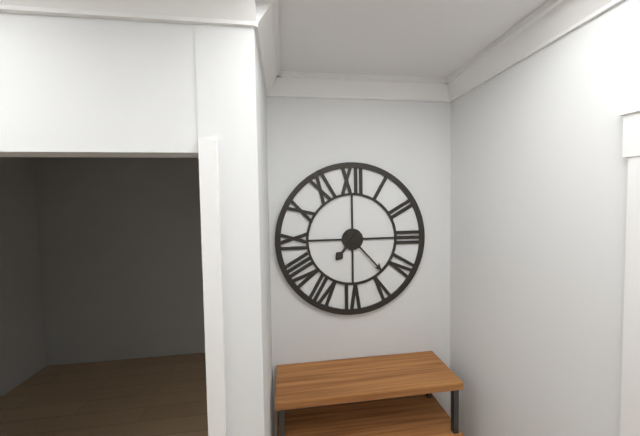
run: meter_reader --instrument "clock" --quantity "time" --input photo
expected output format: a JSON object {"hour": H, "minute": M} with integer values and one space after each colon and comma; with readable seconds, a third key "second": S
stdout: {"hour": 7, "minute": 23}
